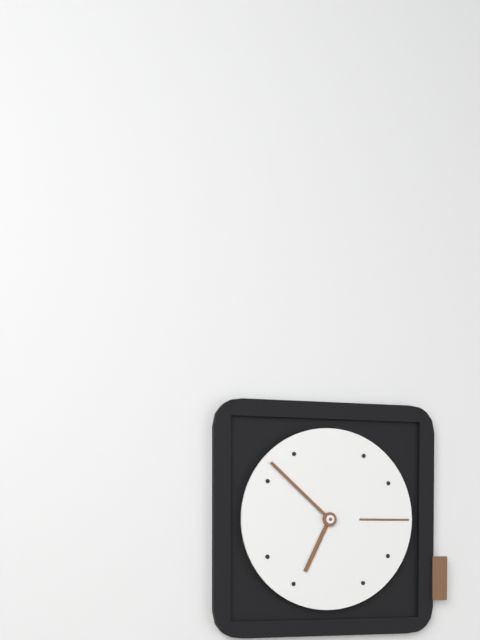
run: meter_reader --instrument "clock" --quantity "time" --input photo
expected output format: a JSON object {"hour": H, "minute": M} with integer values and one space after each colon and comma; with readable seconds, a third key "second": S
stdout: {"hour": 6, "minute": 52}
